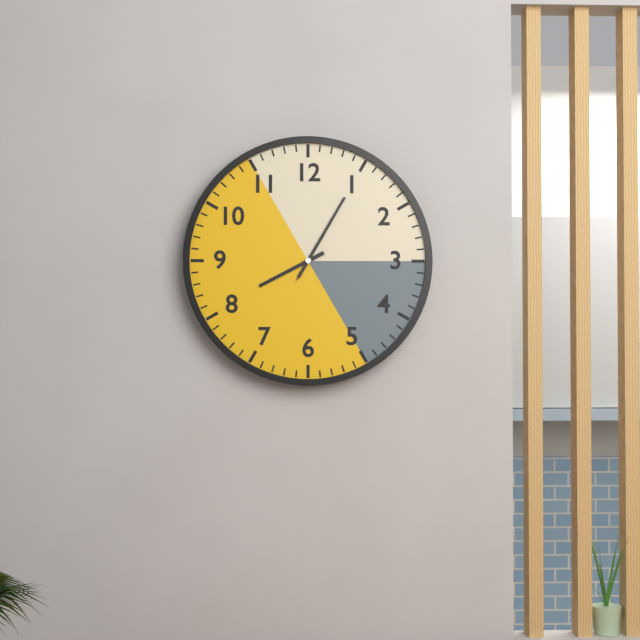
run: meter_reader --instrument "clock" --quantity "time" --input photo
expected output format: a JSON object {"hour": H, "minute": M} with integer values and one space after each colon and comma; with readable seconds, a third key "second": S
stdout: {"hour": 8, "minute": 5, "second": 5}
